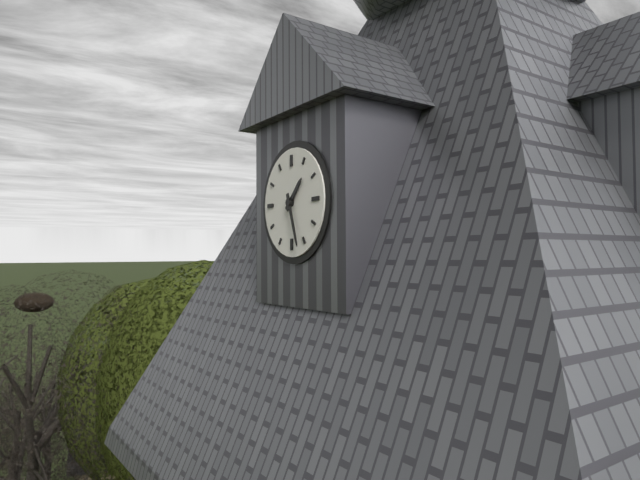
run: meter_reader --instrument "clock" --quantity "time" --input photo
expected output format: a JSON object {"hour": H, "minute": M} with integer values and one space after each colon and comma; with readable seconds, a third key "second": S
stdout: {"hour": 1, "minute": 27}
